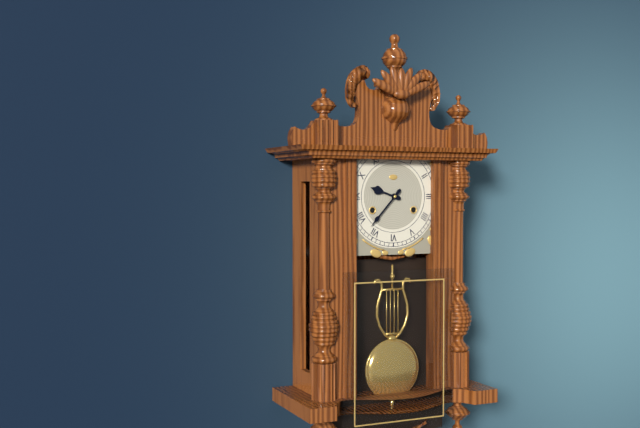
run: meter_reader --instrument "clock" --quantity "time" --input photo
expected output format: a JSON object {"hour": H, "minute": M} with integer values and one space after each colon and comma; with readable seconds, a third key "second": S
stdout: {"hour": 9, "minute": 37}
